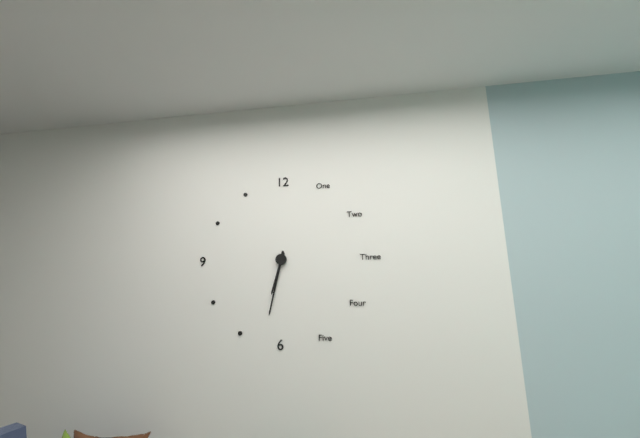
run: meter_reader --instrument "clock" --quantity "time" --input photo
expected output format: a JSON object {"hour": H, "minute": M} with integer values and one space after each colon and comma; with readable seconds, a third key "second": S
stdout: {"hour": 6, "minute": 32}
